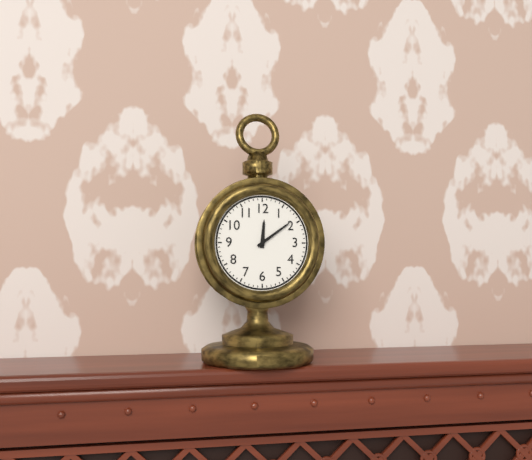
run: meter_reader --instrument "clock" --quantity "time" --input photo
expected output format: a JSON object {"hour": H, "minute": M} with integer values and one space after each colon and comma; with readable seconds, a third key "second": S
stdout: {"hour": 12, "minute": 9}
